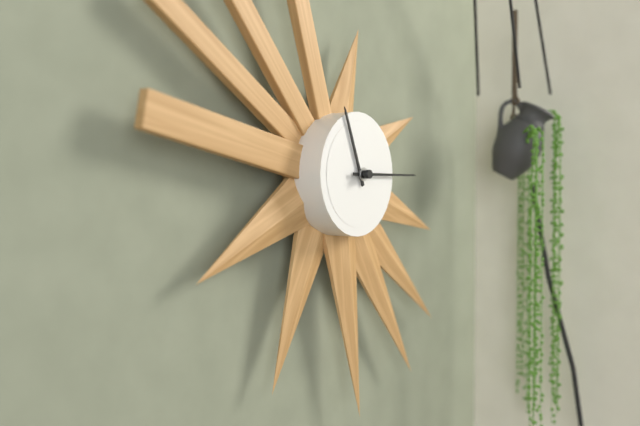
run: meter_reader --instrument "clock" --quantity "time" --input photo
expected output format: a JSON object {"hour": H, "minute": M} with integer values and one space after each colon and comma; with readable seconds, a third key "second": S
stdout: {"hour": 11, "minute": 15}
